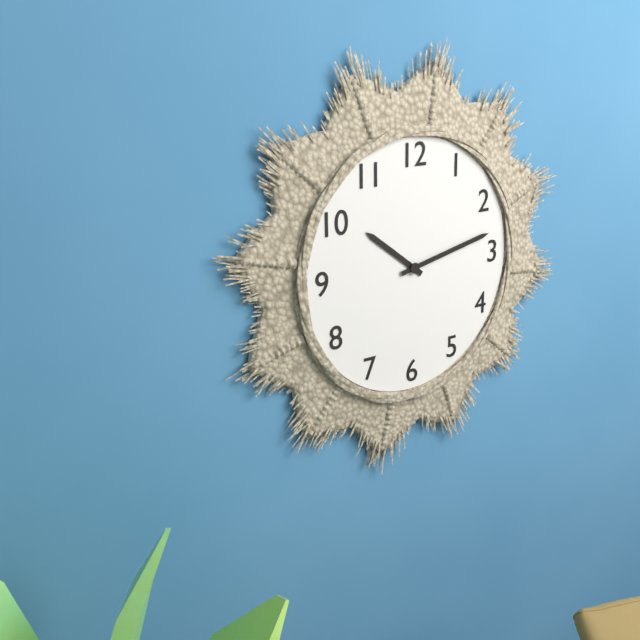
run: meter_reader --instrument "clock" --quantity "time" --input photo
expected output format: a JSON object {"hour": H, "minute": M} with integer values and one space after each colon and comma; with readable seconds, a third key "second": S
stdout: {"hour": 10, "minute": 13}
